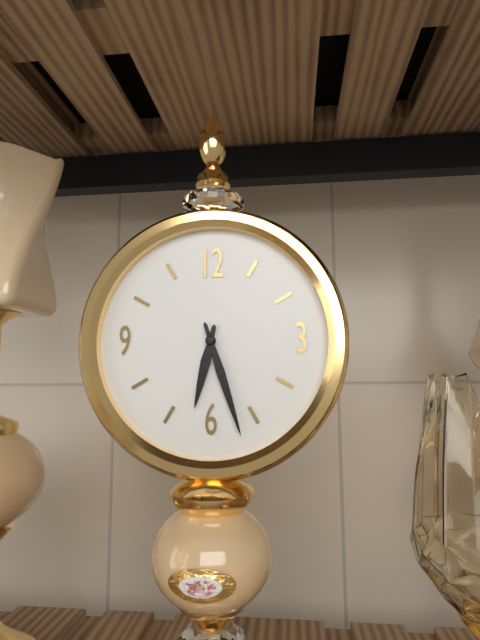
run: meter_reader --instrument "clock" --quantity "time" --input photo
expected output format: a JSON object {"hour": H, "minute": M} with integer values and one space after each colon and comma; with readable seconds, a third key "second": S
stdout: {"hour": 6, "minute": 27}
